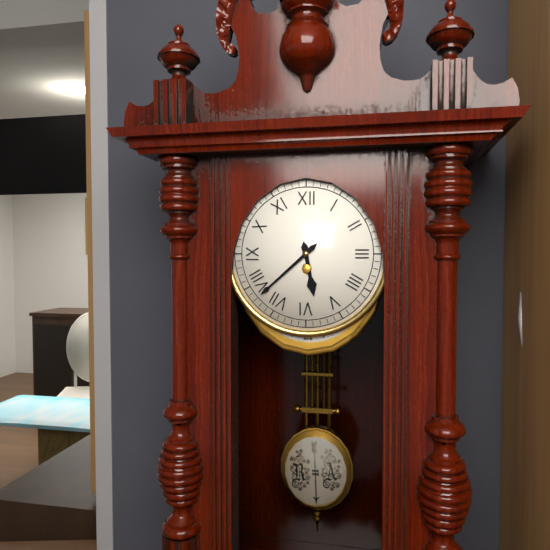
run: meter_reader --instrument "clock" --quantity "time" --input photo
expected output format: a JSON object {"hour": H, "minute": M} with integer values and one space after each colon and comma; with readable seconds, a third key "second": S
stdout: {"hour": 5, "minute": 38}
